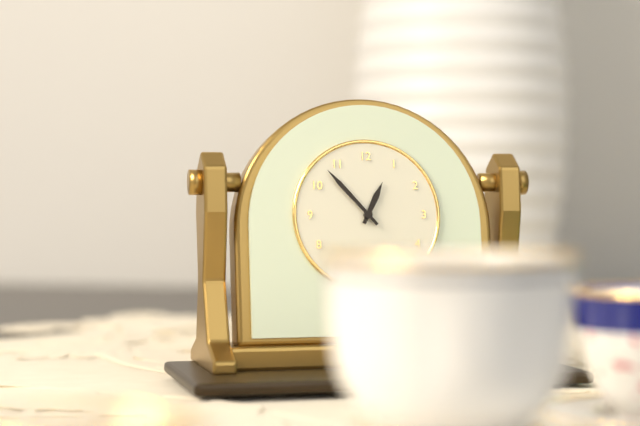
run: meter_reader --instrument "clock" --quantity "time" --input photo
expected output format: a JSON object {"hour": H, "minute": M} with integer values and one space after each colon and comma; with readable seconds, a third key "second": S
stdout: {"hour": 12, "minute": 53}
